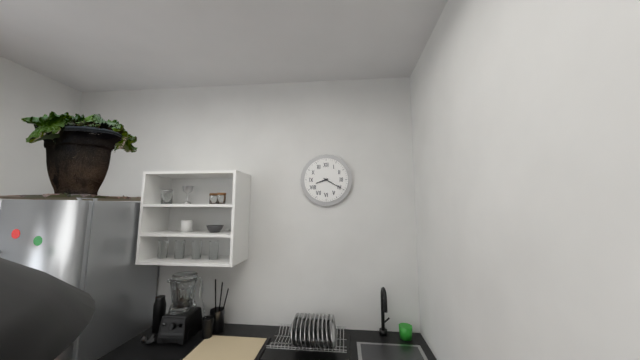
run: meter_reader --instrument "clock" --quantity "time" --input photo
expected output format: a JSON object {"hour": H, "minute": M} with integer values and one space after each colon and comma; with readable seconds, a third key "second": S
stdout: {"hour": 8, "minute": 20}
